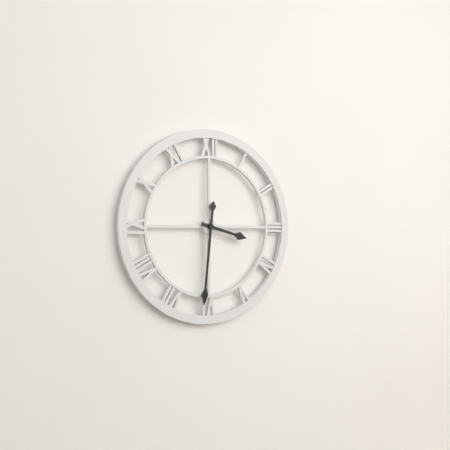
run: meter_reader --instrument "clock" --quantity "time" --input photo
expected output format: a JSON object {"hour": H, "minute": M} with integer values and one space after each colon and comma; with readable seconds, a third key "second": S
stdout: {"hour": 3, "minute": 31}
